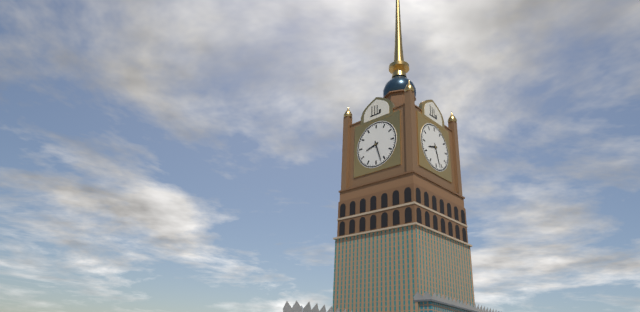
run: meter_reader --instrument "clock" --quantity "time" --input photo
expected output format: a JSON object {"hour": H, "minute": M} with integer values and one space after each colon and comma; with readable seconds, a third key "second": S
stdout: {"hour": 8, "minute": 27}
